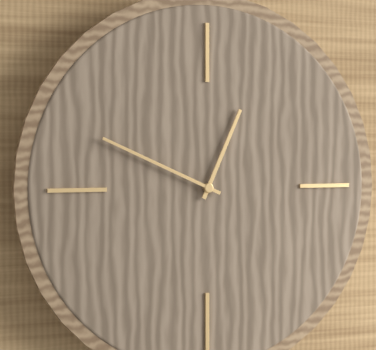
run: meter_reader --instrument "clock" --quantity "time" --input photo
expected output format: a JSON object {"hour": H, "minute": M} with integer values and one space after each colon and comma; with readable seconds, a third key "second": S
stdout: {"hour": 12, "minute": 49}
